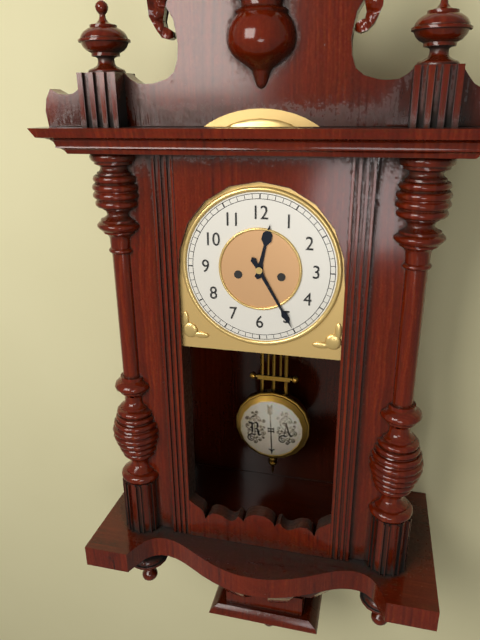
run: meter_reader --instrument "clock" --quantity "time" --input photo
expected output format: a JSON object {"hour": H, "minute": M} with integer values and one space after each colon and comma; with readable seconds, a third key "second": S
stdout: {"hour": 12, "minute": 25}
